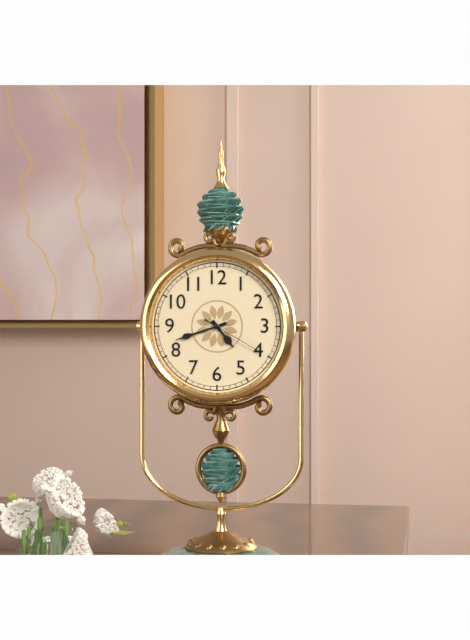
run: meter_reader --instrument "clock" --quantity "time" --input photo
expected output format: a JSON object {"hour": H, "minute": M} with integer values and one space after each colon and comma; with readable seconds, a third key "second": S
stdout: {"hour": 4, "minute": 42, "second": 20}
